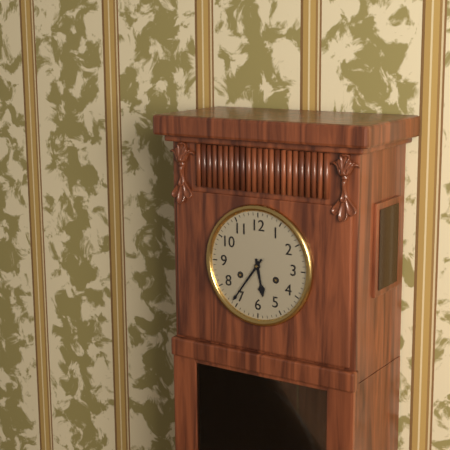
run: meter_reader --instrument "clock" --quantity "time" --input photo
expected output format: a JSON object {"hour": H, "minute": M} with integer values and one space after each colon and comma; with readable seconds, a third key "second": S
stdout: {"hour": 5, "minute": 36}
